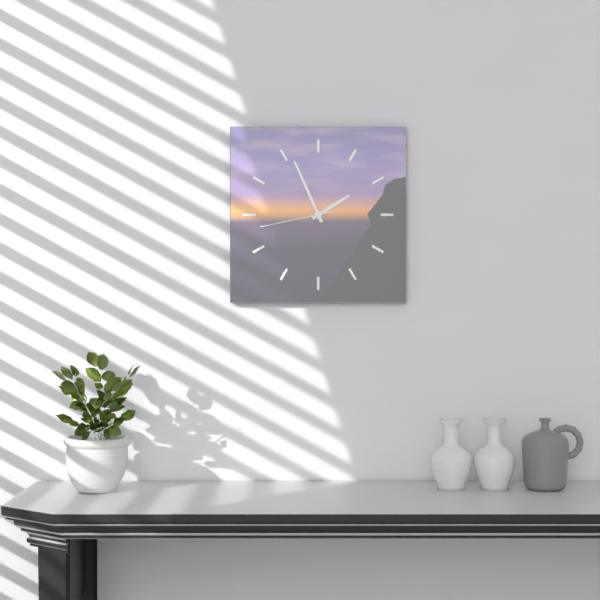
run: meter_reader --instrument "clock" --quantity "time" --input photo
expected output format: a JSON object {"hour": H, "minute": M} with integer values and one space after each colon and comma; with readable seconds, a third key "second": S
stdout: {"hour": 1, "minute": 56, "second": 43}
